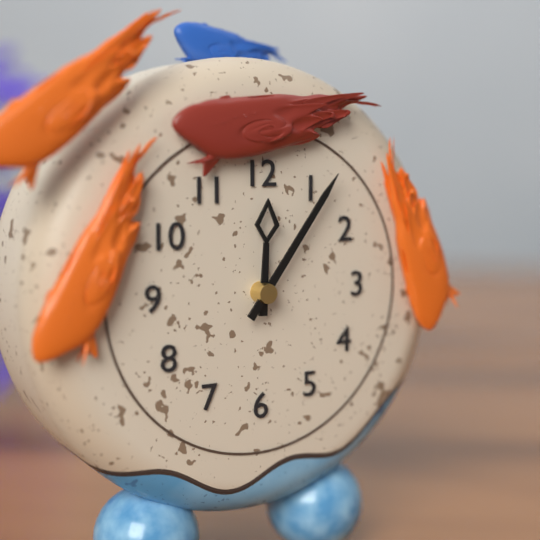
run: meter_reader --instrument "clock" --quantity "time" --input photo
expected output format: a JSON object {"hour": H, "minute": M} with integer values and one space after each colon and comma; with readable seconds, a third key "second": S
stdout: {"hour": 12, "minute": 6}
